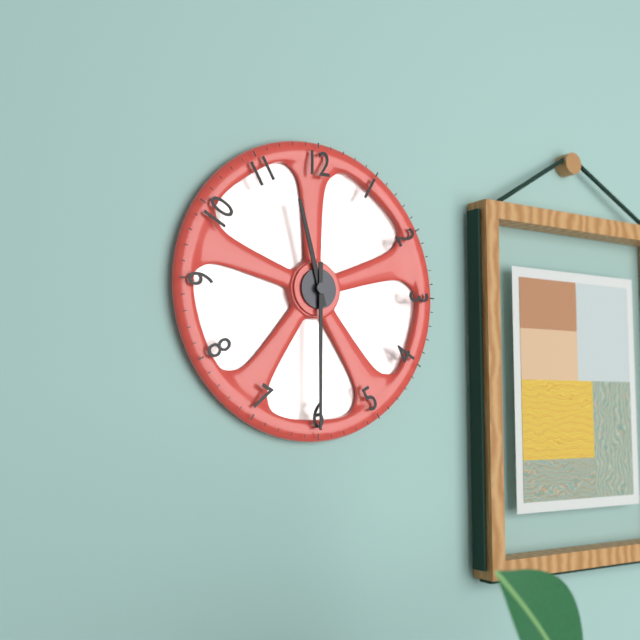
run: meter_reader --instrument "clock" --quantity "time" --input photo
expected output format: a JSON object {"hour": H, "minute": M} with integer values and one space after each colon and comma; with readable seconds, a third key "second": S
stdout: {"hour": 11, "minute": 30}
